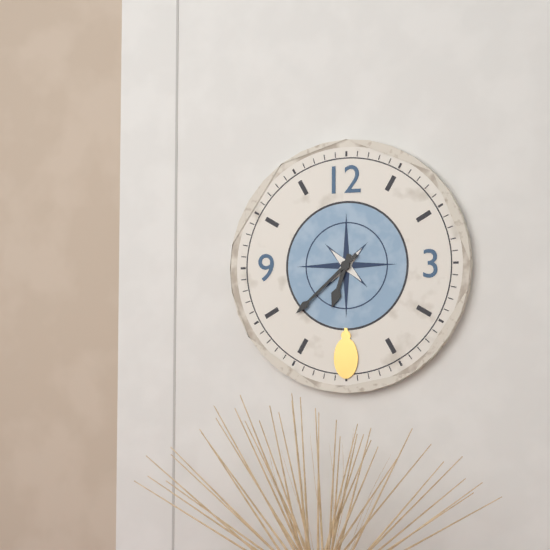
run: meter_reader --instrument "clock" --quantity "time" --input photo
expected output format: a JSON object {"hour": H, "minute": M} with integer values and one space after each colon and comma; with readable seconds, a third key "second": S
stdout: {"hour": 6, "minute": 38}
